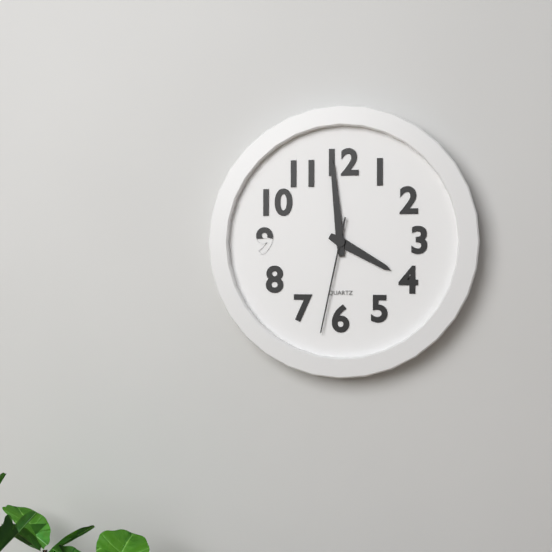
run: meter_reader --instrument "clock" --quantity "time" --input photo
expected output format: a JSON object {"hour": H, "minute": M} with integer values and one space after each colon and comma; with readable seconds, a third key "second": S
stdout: {"hour": 3, "minute": 59, "second": 32}
